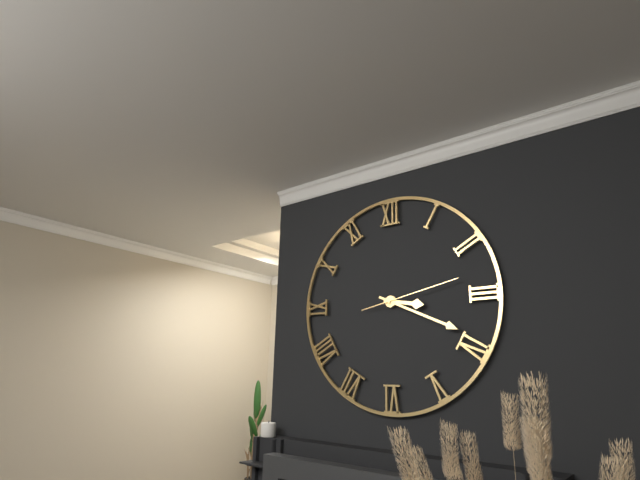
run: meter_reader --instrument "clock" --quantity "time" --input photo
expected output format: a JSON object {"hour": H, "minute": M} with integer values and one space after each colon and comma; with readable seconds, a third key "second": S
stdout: {"hour": 3, "minute": 19, "second": 13}
